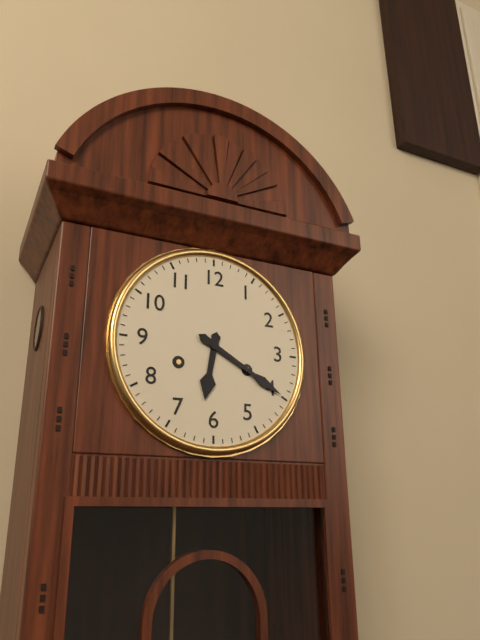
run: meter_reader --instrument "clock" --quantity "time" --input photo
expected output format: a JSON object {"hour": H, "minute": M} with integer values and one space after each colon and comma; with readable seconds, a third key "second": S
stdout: {"hour": 6, "minute": 20}
